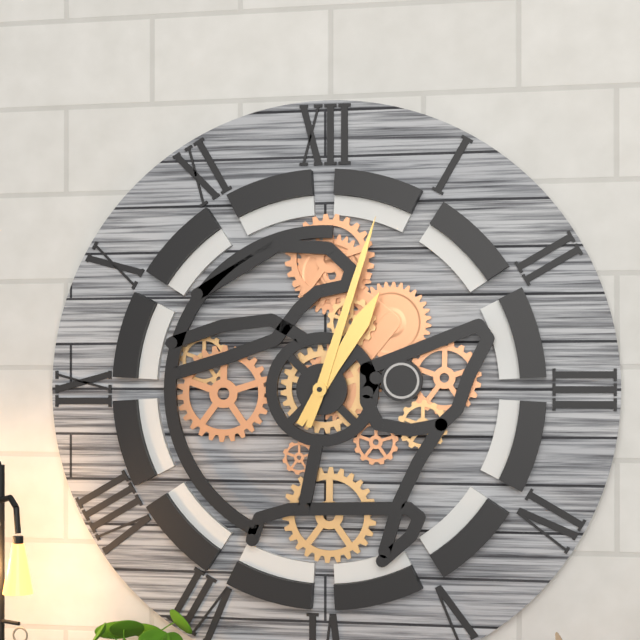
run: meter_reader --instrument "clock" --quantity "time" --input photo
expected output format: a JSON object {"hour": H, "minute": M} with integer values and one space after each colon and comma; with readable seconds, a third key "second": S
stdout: {"hour": 1, "minute": 3}
